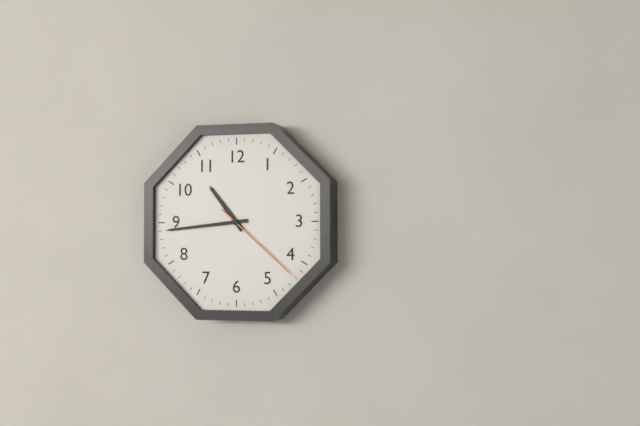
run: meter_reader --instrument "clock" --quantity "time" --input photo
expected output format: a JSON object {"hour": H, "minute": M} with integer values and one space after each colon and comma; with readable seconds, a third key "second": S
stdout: {"hour": 10, "minute": 44, "second": 22}
